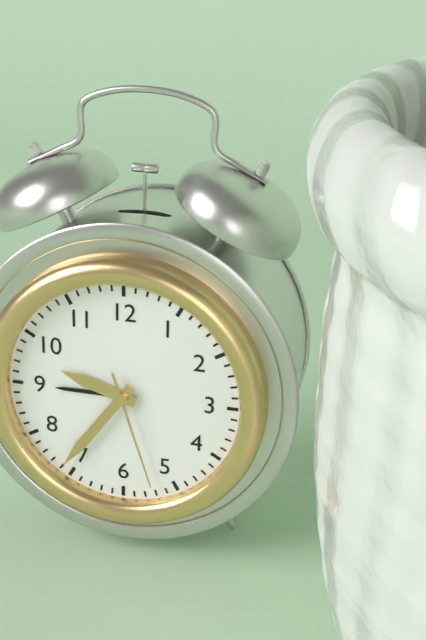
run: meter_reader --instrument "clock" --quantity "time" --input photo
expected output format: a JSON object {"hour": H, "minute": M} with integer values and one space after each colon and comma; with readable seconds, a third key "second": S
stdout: {"hour": 9, "minute": 36, "second": 27}
